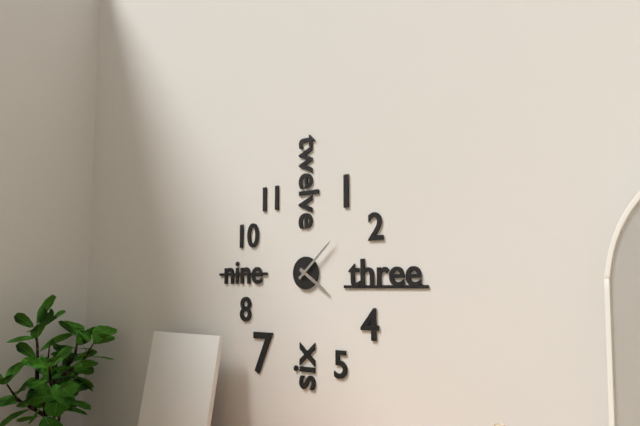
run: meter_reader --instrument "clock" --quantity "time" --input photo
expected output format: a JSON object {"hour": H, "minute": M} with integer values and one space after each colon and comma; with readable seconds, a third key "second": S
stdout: {"hour": 4, "minute": 8}
